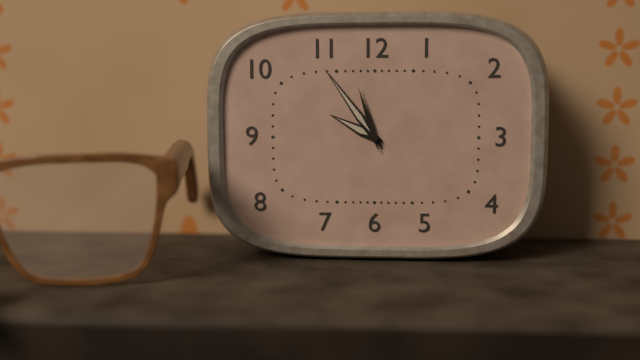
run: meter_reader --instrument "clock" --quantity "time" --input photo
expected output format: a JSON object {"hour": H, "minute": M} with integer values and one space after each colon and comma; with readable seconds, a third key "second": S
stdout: {"hour": 9, "minute": 54, "second": 57}
